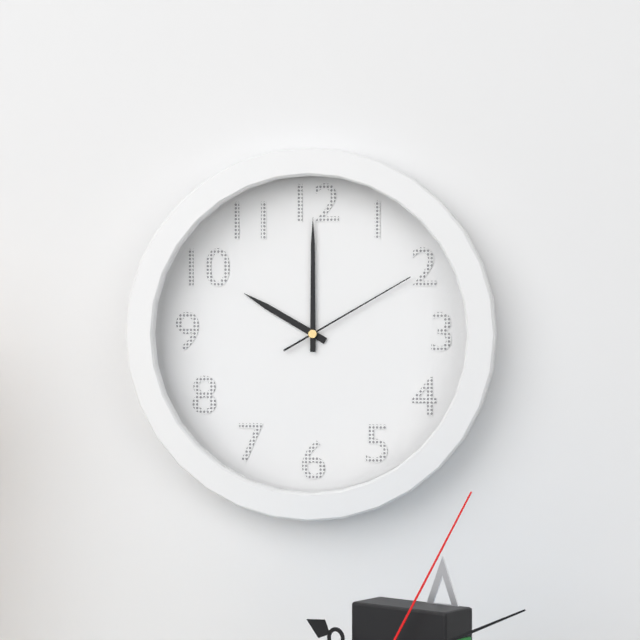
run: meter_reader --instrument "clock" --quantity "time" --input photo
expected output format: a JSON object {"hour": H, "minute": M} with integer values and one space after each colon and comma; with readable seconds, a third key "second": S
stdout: {"hour": 10, "minute": 0, "second": 10}
